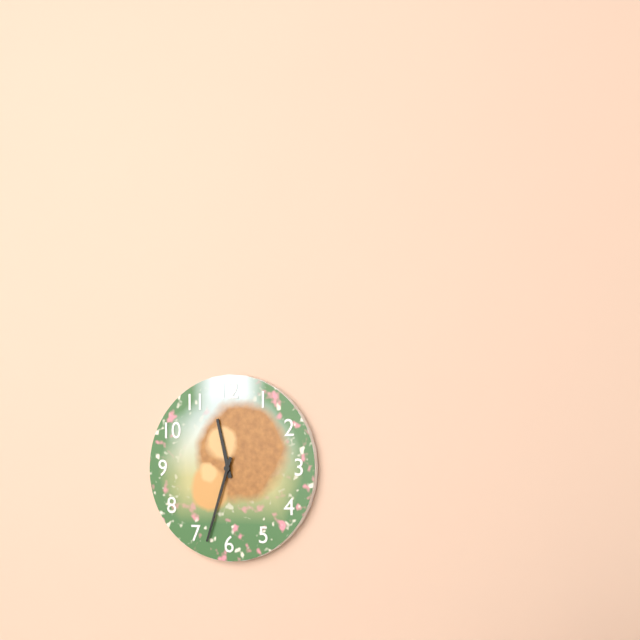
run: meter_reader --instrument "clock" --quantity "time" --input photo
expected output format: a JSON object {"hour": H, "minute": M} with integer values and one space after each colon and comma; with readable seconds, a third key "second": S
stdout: {"hour": 11, "minute": 33}
